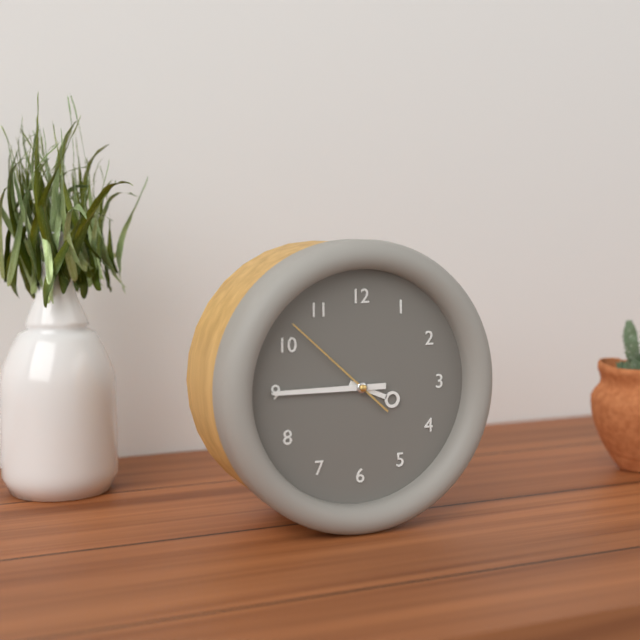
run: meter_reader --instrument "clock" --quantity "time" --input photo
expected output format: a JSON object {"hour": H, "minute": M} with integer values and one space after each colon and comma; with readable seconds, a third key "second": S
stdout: {"hour": 3, "minute": 45, "second": 52}
